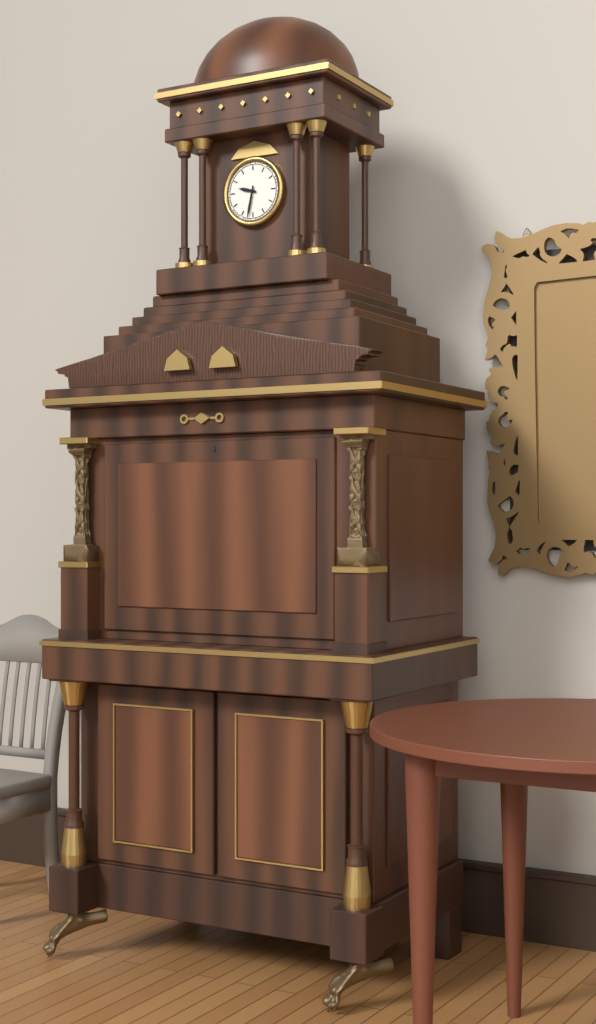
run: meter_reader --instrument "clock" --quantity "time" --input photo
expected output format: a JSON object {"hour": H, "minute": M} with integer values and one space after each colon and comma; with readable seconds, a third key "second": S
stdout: {"hour": 9, "minute": 32}
